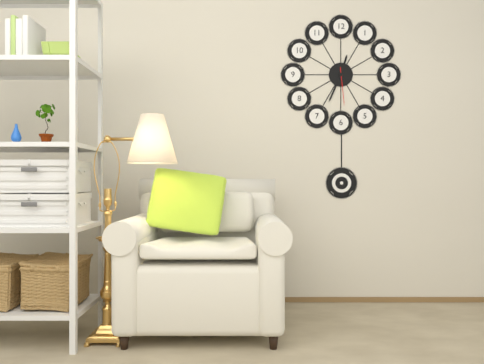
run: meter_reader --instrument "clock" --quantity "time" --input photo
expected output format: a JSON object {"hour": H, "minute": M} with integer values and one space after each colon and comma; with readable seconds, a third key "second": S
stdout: {"hour": 12, "minute": 34}
